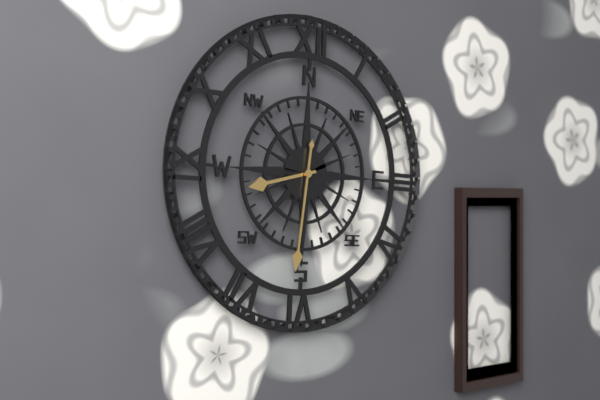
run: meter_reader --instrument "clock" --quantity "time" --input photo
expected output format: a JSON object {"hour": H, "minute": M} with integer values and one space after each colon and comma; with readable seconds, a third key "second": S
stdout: {"hour": 8, "minute": 31}
